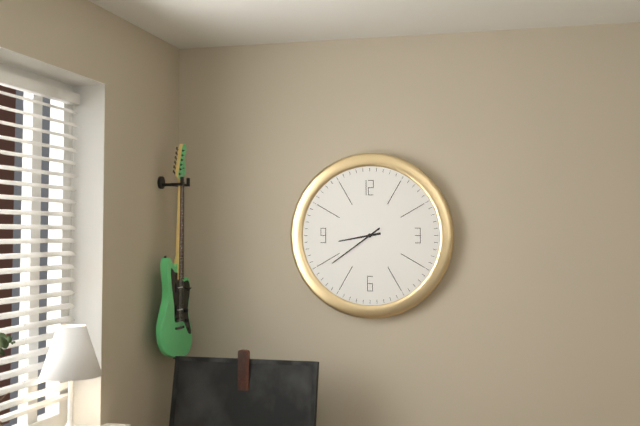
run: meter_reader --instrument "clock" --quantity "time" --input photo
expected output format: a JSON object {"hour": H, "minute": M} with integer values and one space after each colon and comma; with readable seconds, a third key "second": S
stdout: {"hour": 8, "minute": 39}
